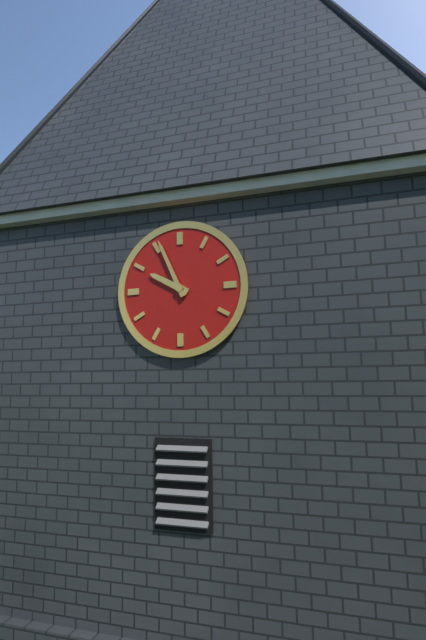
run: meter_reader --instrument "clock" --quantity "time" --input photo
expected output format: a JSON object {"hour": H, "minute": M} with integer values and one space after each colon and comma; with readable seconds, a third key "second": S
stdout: {"hour": 9, "minute": 56}
